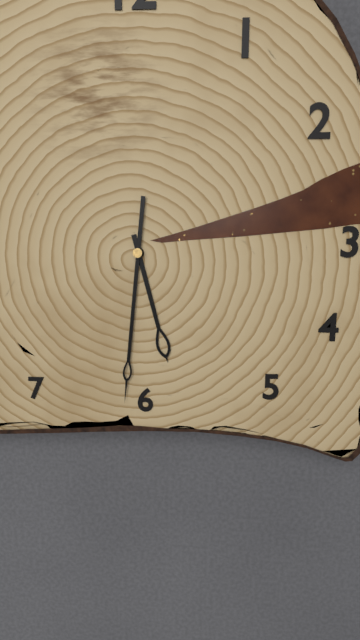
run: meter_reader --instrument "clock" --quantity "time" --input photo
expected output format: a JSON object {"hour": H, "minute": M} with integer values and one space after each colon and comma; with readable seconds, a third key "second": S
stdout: {"hour": 5, "minute": 31}
